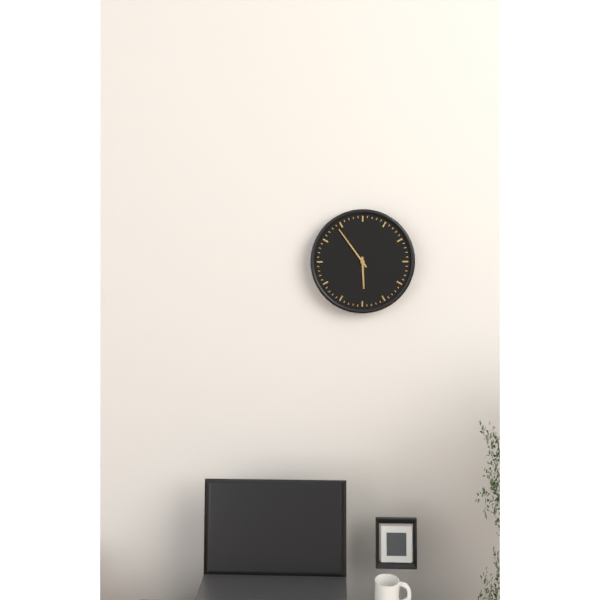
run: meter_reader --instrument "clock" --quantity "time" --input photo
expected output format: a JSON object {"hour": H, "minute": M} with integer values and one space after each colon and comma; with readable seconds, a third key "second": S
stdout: {"hour": 5, "minute": 54}
